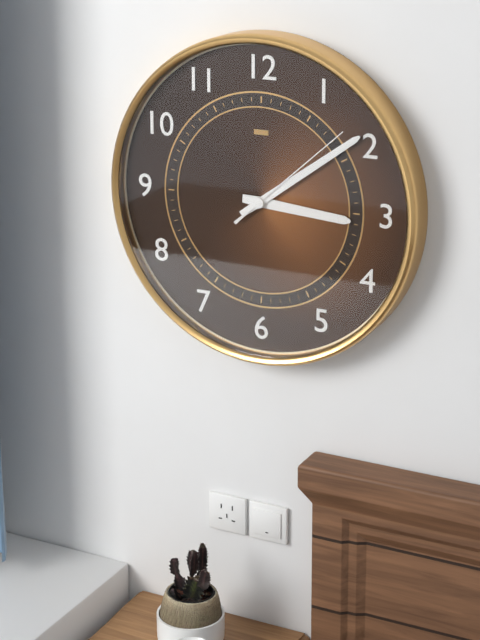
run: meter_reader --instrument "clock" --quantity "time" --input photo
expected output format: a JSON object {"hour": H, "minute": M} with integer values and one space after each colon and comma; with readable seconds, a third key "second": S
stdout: {"hour": 3, "minute": 9, "second": 8}
